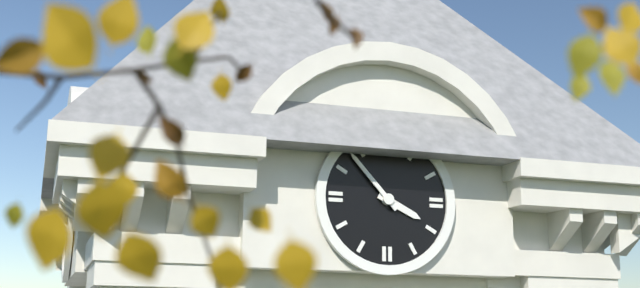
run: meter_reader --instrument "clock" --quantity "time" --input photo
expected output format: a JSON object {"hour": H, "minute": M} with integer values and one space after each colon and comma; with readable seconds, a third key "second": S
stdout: {"hour": 3, "minute": 53}
